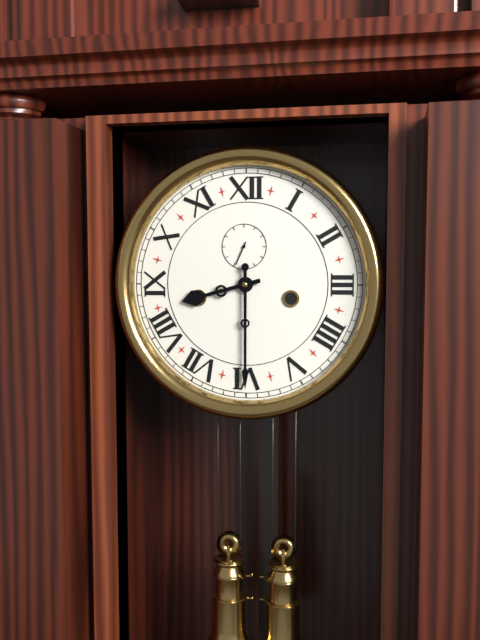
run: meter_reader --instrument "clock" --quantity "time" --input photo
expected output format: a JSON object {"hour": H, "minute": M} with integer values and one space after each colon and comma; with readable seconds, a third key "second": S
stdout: {"hour": 8, "minute": 30}
